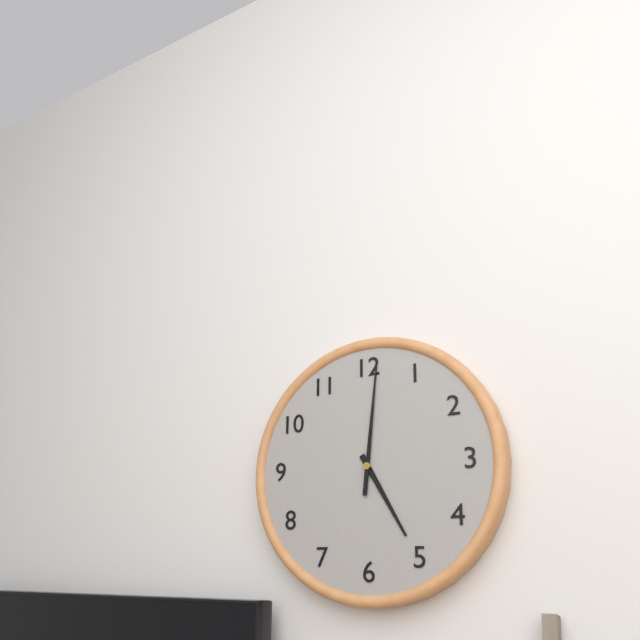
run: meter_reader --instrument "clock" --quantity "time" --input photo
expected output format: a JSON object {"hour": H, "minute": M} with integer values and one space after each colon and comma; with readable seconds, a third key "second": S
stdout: {"hour": 5, "minute": 1}
